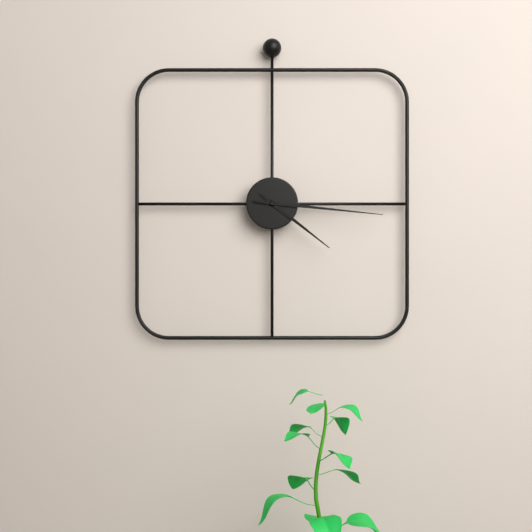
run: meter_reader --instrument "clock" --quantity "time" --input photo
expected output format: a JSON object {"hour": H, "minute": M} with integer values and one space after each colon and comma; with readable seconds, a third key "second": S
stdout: {"hour": 4, "minute": 16}
